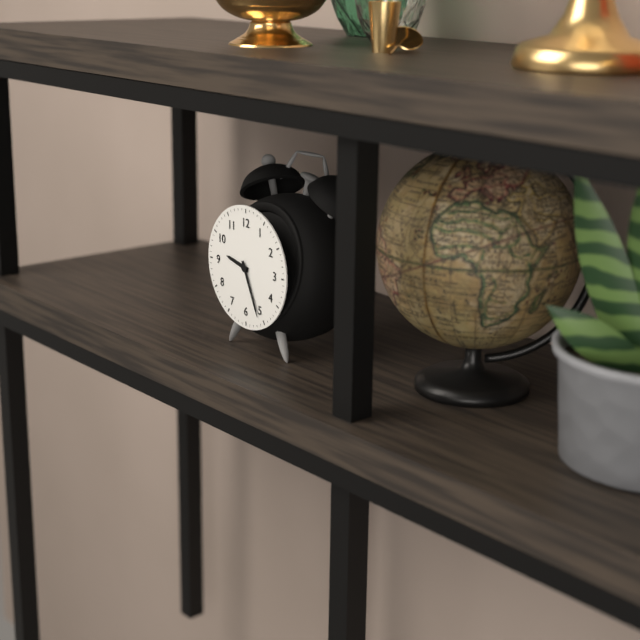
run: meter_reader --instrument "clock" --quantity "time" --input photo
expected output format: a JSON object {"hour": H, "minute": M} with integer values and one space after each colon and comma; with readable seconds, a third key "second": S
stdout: {"hour": 9, "minute": 26}
